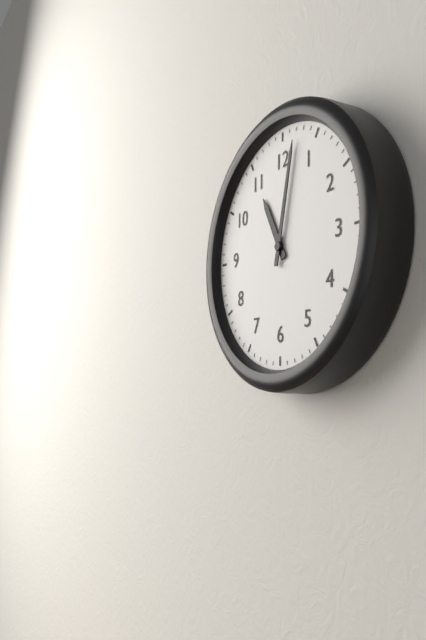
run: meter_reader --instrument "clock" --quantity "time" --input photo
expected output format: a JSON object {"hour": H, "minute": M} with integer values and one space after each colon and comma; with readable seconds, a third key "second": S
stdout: {"hour": 11, "minute": 2}
